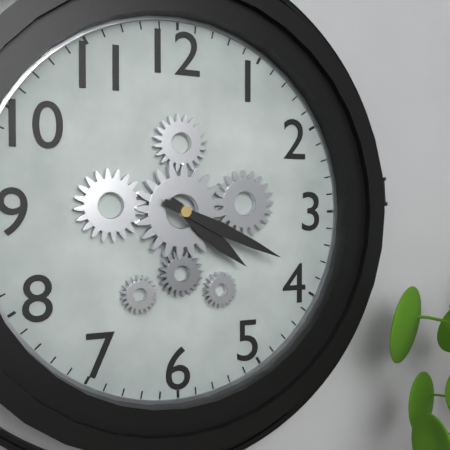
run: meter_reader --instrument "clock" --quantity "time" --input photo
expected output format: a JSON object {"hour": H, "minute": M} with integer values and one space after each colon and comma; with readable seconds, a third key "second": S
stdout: {"hour": 4, "minute": 19}
